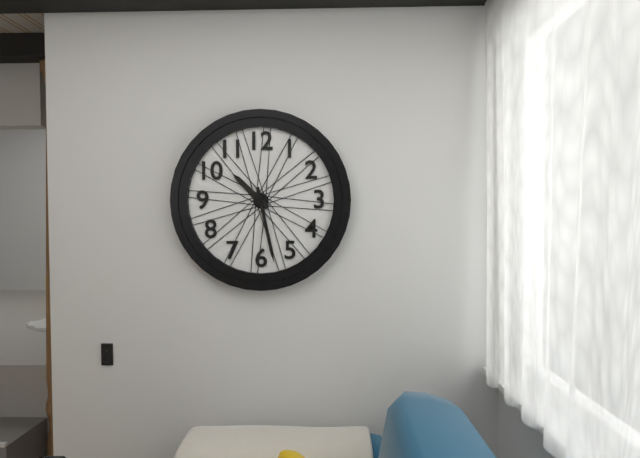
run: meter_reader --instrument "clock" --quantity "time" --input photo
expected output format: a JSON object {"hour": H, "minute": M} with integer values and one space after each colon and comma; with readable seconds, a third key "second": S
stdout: {"hour": 10, "minute": 28}
